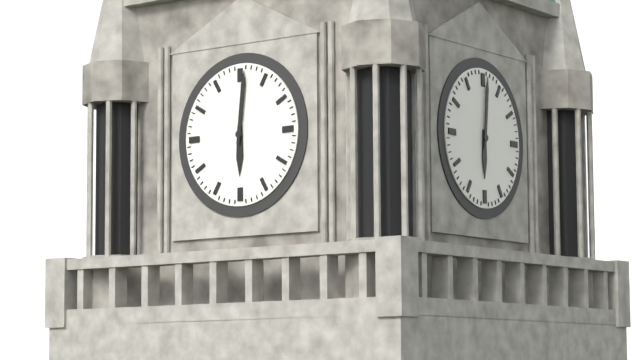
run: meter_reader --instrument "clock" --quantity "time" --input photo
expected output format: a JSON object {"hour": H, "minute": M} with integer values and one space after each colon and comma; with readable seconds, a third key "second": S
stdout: {"hour": 6, "minute": 1}
